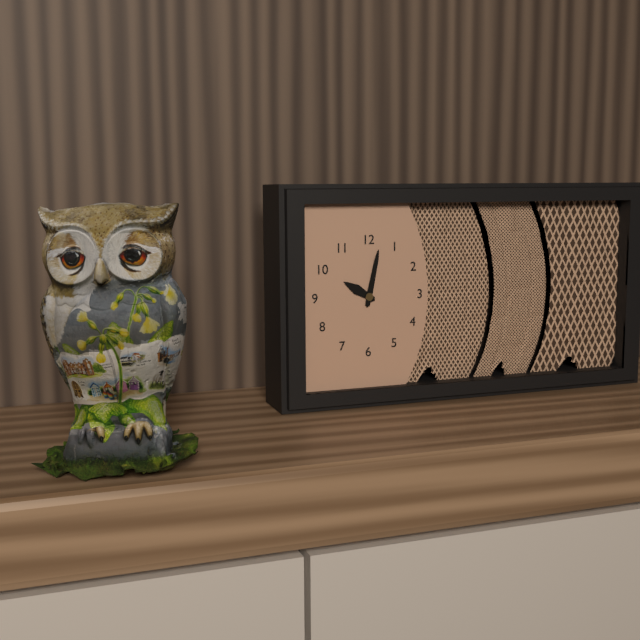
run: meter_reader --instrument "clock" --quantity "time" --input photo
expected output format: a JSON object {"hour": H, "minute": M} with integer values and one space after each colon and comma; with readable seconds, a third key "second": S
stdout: {"hour": 10, "minute": 2}
